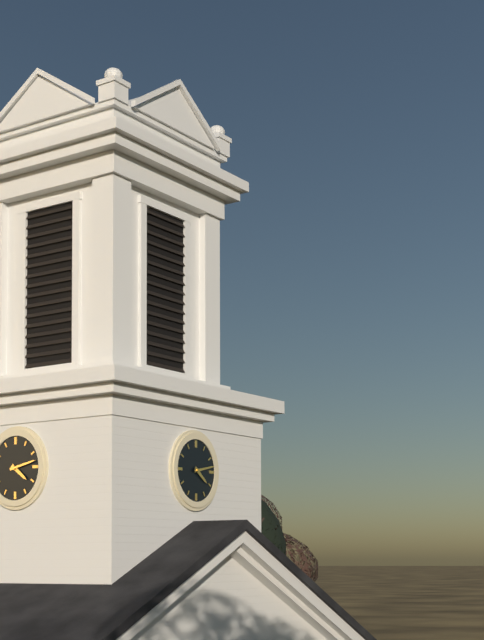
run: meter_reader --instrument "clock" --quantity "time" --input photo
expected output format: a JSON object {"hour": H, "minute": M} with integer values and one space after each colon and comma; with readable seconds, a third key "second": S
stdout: {"hour": 4, "minute": 13}
